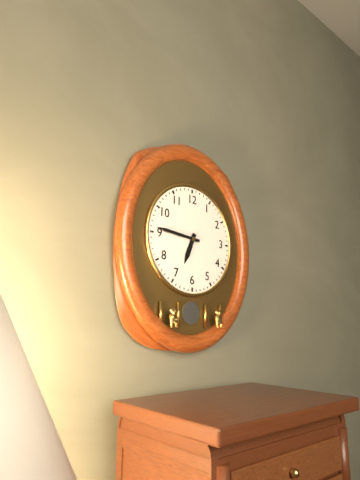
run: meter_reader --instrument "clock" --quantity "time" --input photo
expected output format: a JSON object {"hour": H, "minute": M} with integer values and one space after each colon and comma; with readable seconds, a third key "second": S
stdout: {"hour": 6, "minute": 46}
